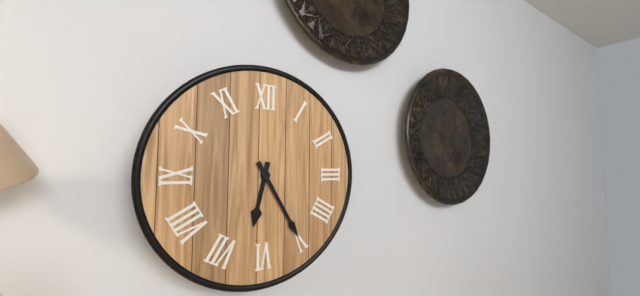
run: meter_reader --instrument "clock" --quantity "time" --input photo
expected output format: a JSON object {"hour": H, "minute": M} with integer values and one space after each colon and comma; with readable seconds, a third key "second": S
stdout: {"hour": 6, "minute": 25}
